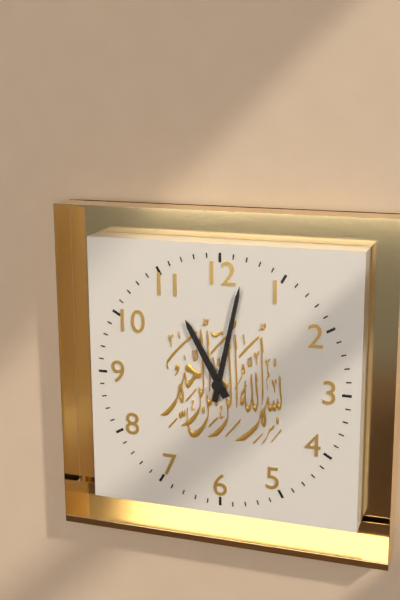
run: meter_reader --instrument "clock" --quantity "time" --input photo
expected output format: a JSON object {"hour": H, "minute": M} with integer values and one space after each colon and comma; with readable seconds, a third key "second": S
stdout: {"hour": 11, "minute": 2}
